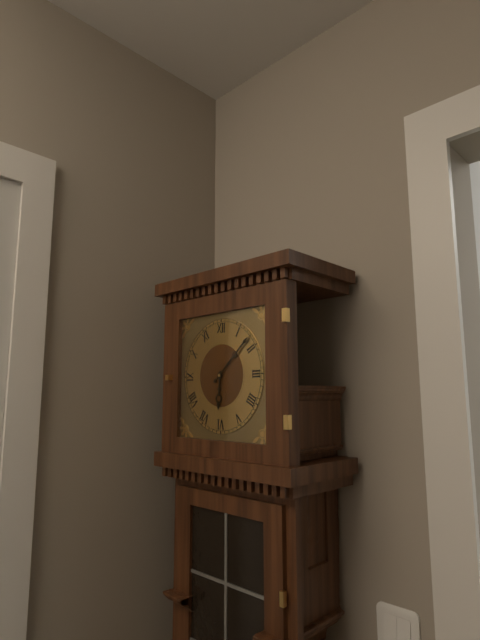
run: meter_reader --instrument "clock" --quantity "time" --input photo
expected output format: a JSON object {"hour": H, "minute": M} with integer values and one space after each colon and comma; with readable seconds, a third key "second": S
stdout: {"hour": 6, "minute": 8}
